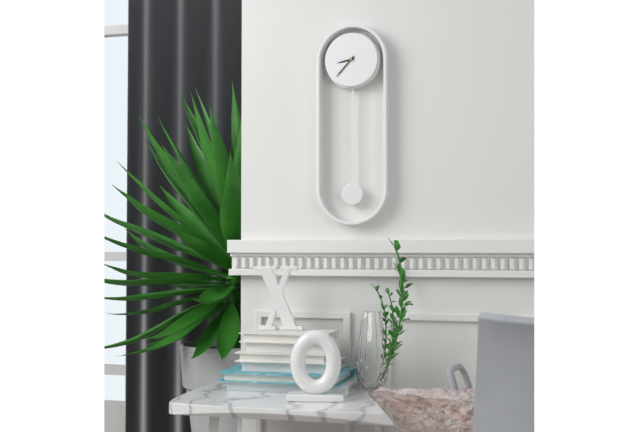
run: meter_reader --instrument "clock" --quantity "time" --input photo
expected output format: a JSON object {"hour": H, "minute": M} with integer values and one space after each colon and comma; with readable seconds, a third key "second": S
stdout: {"hour": 8, "minute": 37}
